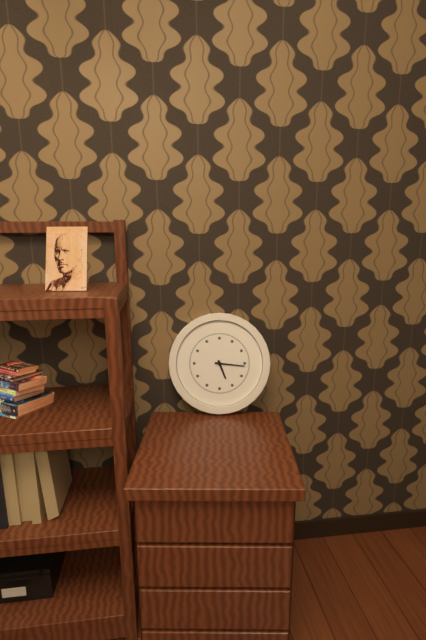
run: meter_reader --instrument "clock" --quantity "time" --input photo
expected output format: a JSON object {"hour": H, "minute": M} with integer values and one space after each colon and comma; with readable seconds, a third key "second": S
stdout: {"hour": 5, "minute": 16}
